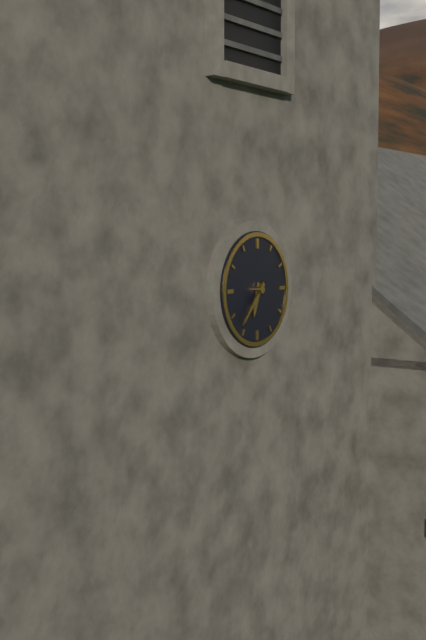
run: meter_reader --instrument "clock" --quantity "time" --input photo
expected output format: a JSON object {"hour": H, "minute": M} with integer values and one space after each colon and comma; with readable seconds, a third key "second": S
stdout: {"hour": 6, "minute": 37}
